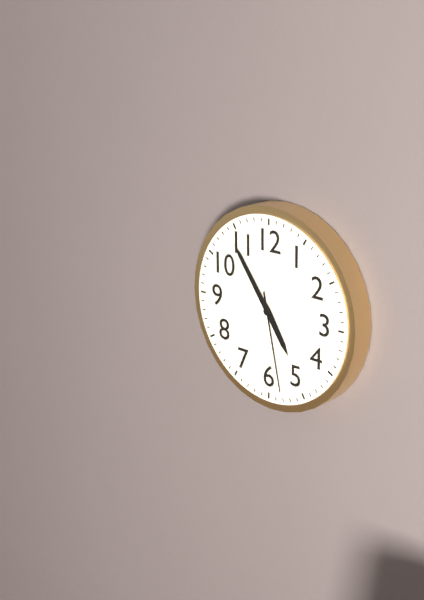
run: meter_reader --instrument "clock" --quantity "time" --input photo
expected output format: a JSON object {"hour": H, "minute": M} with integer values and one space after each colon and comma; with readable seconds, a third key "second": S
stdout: {"hour": 4, "minute": 54, "second": 28}
